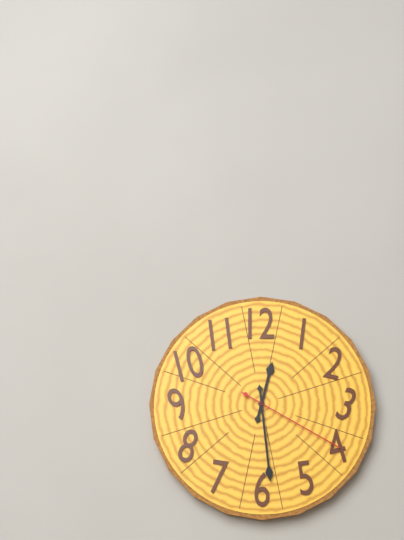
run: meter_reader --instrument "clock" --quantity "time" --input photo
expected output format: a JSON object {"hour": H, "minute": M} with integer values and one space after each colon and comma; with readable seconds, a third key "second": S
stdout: {"hour": 12, "minute": 29, "second": 20}
